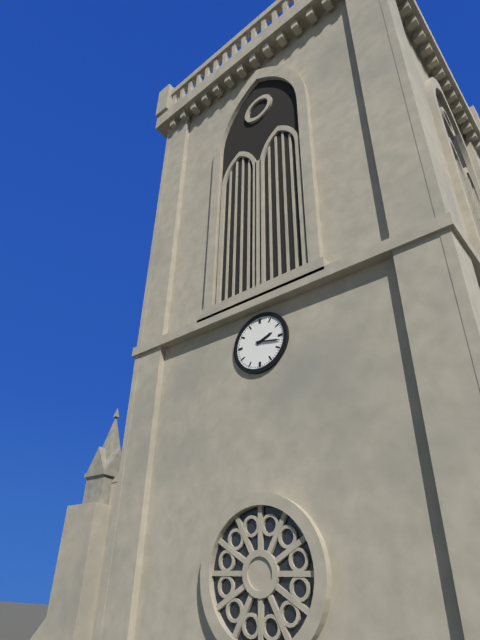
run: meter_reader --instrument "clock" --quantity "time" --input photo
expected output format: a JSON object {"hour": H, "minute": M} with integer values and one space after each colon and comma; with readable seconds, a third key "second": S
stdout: {"hour": 2, "minute": 17}
